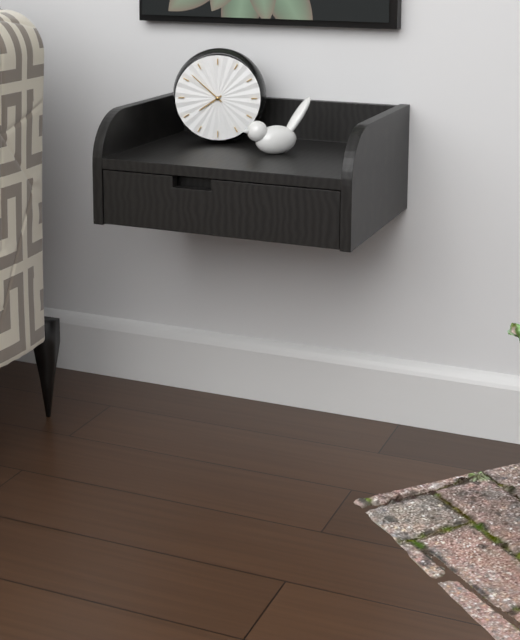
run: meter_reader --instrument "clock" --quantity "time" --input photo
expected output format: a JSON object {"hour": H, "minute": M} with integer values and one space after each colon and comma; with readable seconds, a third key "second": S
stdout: {"hour": 7, "minute": 52}
